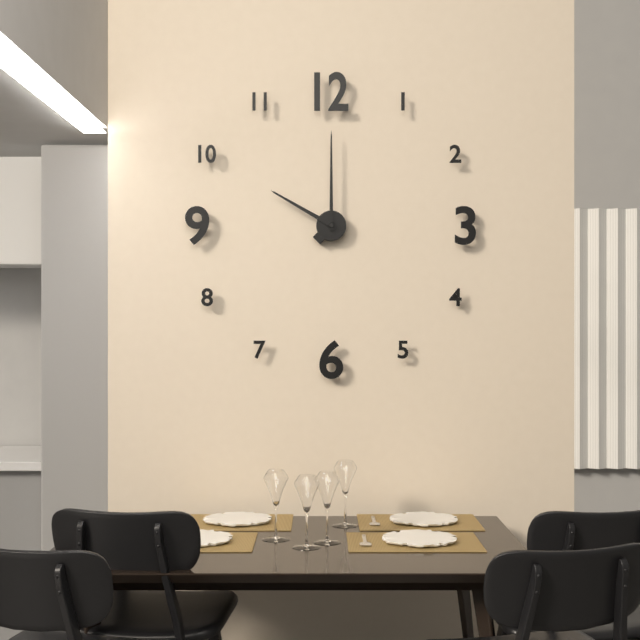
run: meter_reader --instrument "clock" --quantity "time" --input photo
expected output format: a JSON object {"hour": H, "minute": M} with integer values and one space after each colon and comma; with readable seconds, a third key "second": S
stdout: {"hour": 10, "minute": 0}
